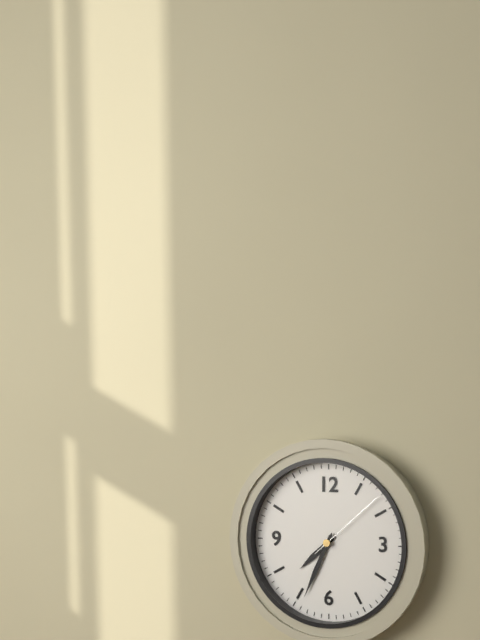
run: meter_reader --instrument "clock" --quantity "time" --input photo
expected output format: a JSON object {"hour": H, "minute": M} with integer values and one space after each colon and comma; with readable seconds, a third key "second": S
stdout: {"hour": 7, "minute": 34, "second": 8}
